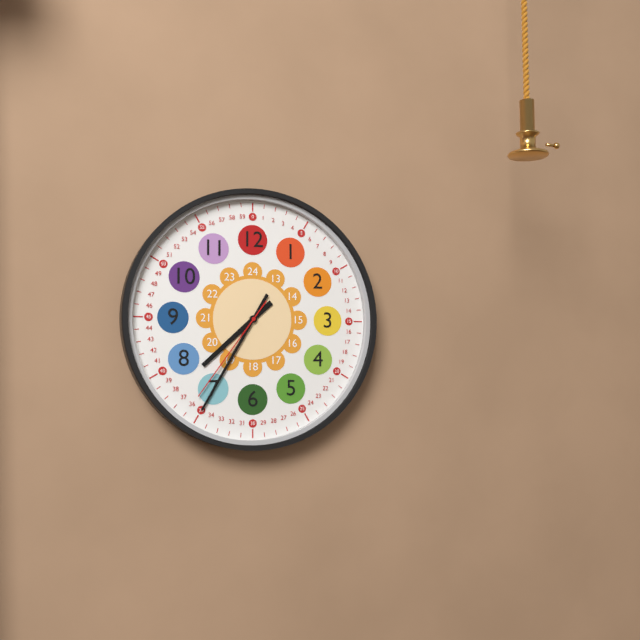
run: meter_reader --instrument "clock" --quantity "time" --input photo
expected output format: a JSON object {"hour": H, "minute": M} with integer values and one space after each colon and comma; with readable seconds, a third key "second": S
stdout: {"hour": 7, "minute": 35, "second": 36}
